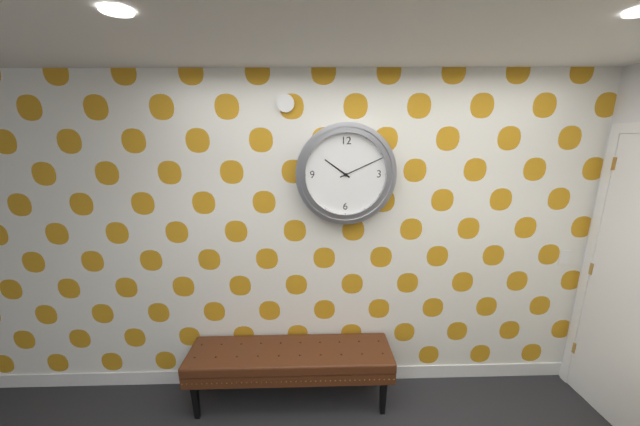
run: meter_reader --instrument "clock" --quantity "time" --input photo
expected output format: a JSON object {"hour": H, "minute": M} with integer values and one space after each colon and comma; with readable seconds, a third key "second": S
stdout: {"hour": 10, "minute": 11}
